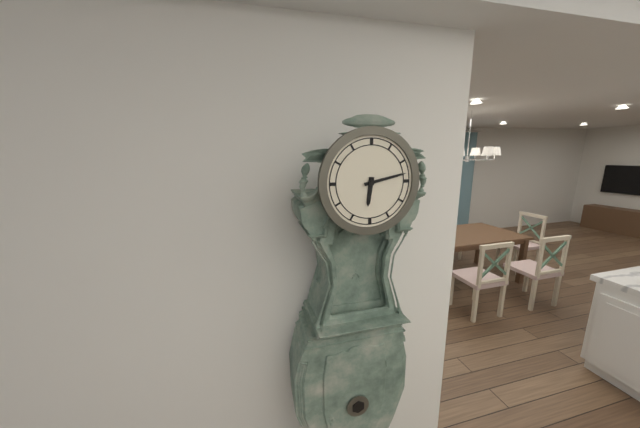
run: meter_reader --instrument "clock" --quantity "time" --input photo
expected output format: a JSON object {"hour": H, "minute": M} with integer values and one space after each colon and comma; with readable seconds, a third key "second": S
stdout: {"hour": 6, "minute": 13}
